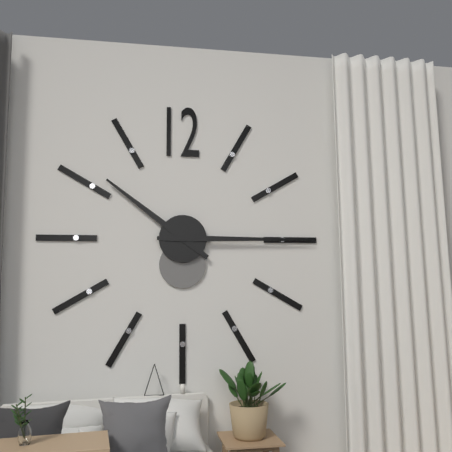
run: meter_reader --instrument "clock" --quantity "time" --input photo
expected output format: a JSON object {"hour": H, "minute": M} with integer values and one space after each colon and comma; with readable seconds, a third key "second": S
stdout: {"hour": 10, "minute": 15}
